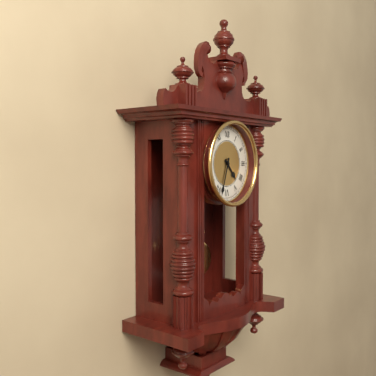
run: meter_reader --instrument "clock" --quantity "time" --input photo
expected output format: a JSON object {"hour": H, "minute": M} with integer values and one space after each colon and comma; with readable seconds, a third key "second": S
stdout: {"hour": 4, "minute": 33}
